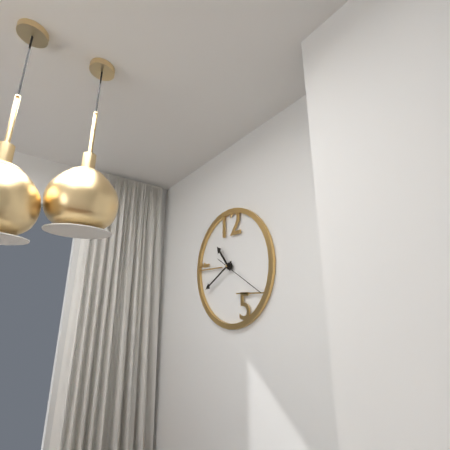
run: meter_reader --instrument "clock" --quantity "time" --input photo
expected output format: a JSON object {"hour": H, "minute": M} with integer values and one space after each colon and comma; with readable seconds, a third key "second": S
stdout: {"hour": 10, "minute": 40, "second": 20}
